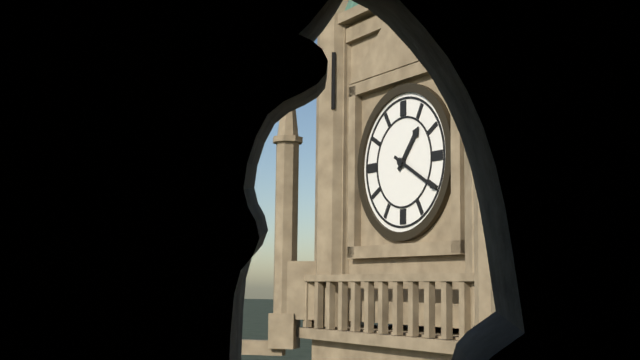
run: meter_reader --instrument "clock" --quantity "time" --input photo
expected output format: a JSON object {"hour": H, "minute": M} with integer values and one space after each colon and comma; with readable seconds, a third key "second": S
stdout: {"hour": 1, "minute": 20}
